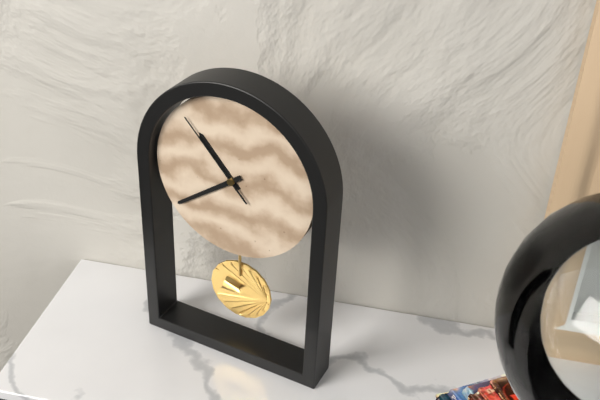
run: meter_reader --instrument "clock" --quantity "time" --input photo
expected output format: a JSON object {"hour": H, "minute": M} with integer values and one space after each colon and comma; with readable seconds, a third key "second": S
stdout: {"hour": 10, "minute": 39, "second": 53}
